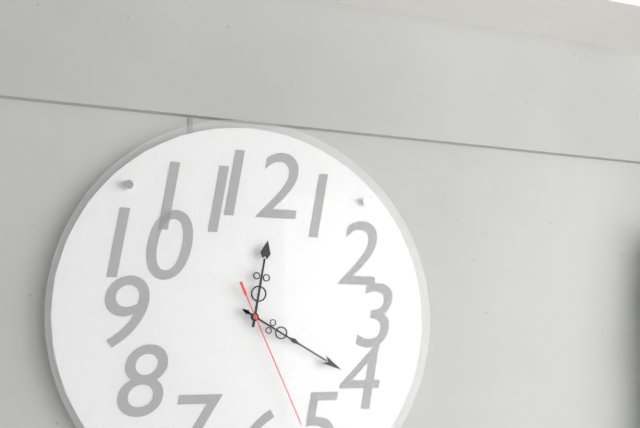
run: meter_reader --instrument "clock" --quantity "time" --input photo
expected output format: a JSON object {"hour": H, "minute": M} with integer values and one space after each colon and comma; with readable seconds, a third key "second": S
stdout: {"hour": 12, "minute": 20, "second": 26}
